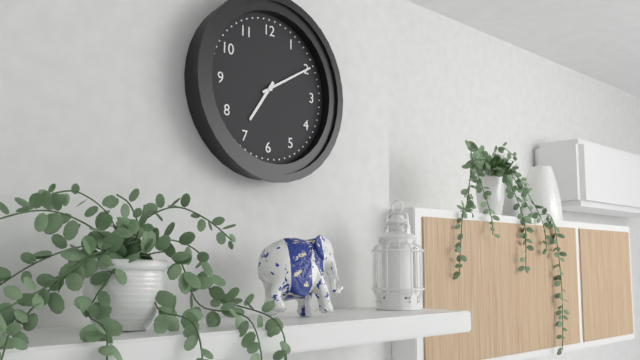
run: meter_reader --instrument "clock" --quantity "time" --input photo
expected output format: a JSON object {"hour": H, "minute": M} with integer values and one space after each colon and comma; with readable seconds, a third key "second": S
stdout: {"hour": 7, "minute": 10}
